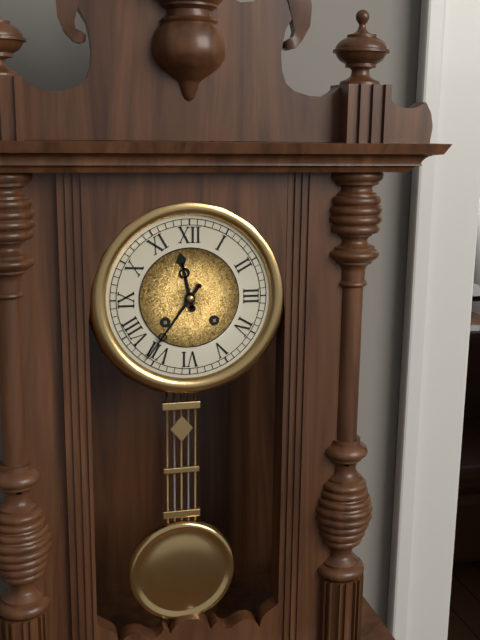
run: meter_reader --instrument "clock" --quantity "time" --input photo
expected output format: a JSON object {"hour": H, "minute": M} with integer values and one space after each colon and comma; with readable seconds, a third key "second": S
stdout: {"hour": 11, "minute": 36}
